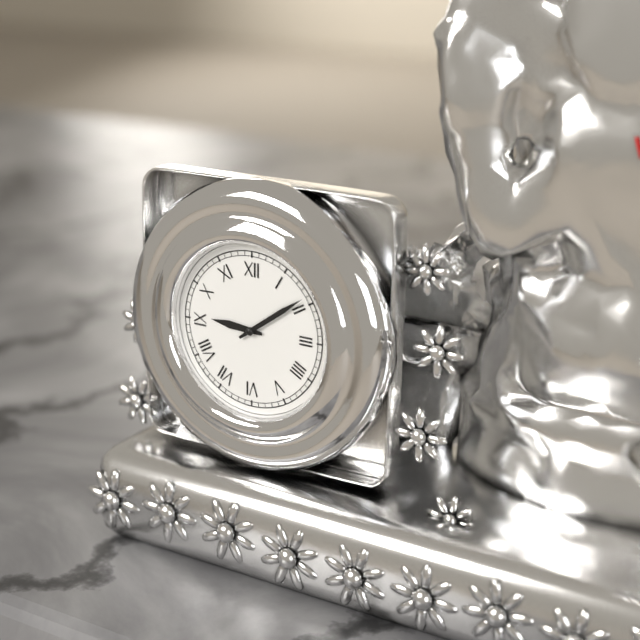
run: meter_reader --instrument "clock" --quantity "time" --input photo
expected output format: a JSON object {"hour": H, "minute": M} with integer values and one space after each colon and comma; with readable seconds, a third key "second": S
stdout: {"hour": 9, "minute": 9}
